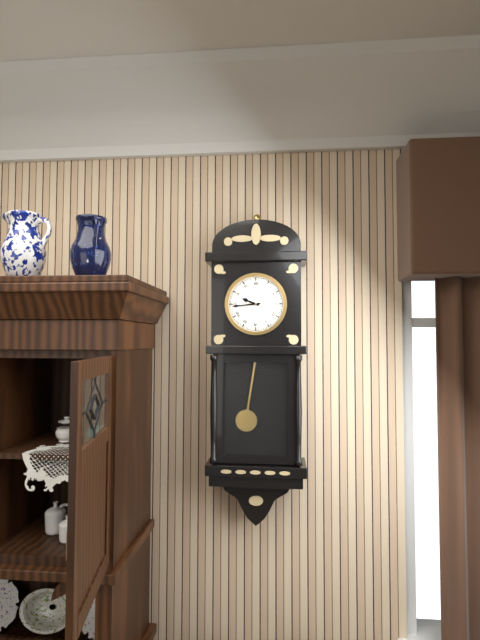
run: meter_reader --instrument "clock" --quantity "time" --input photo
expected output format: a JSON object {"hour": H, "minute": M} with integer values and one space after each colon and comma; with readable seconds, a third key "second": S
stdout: {"hour": 9, "minute": 44}
